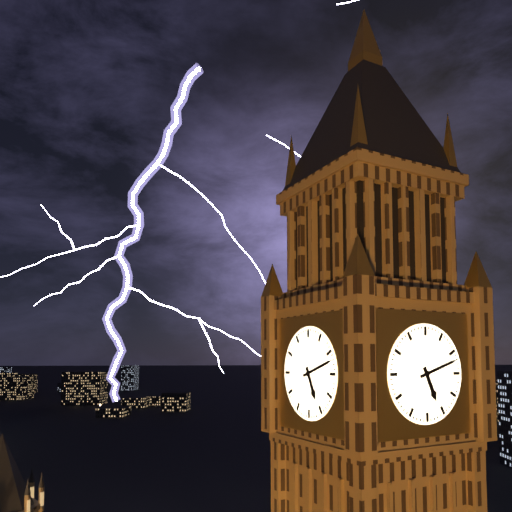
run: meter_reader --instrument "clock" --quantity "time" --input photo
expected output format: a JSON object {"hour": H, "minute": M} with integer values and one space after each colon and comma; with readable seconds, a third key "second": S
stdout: {"hour": 5, "minute": 12}
